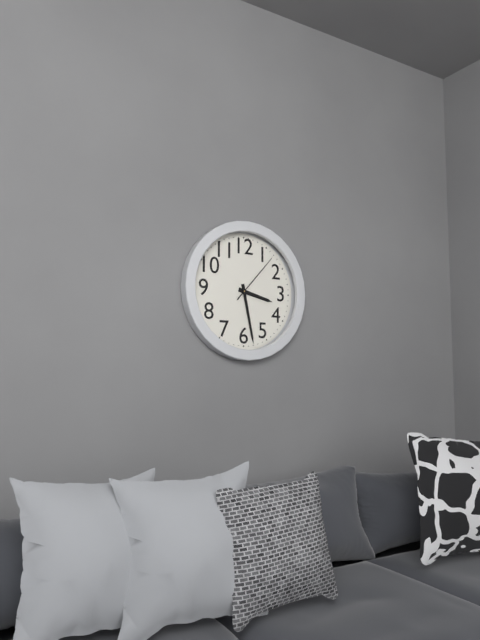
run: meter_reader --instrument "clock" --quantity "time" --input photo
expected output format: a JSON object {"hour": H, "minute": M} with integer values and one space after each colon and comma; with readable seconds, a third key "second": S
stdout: {"hour": 3, "minute": 28, "second": 7}
